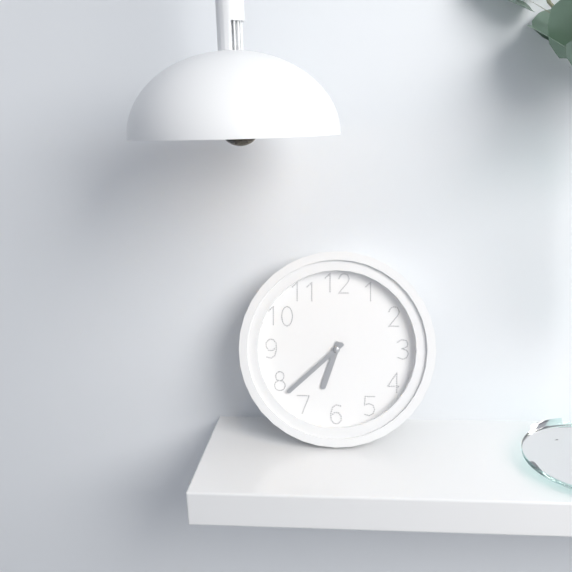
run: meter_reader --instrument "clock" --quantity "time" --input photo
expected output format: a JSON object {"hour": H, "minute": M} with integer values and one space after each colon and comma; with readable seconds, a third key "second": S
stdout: {"hour": 6, "minute": 38}
